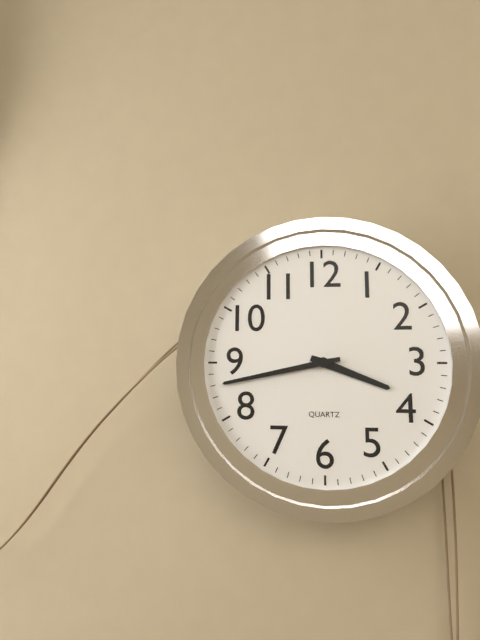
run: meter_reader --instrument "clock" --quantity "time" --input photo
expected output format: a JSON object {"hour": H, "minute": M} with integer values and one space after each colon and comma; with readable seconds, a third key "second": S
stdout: {"hour": 3, "minute": 43}
